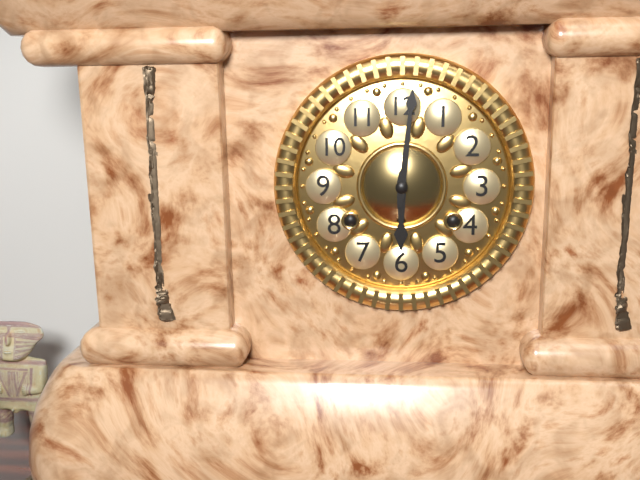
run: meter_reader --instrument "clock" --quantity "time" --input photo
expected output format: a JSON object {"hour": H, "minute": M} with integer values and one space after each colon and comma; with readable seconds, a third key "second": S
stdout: {"hour": 6, "minute": 1}
